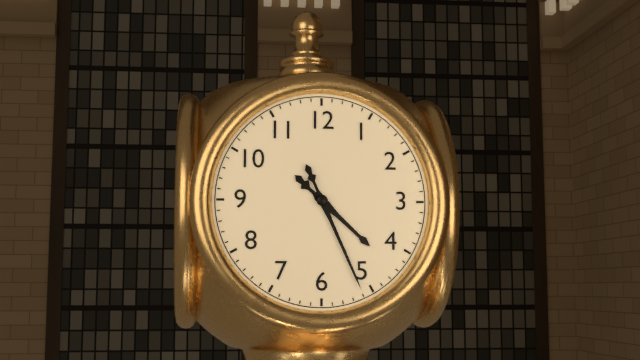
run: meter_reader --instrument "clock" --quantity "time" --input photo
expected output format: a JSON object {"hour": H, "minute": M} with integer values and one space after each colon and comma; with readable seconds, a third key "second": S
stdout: {"hour": 4, "minute": 26}
